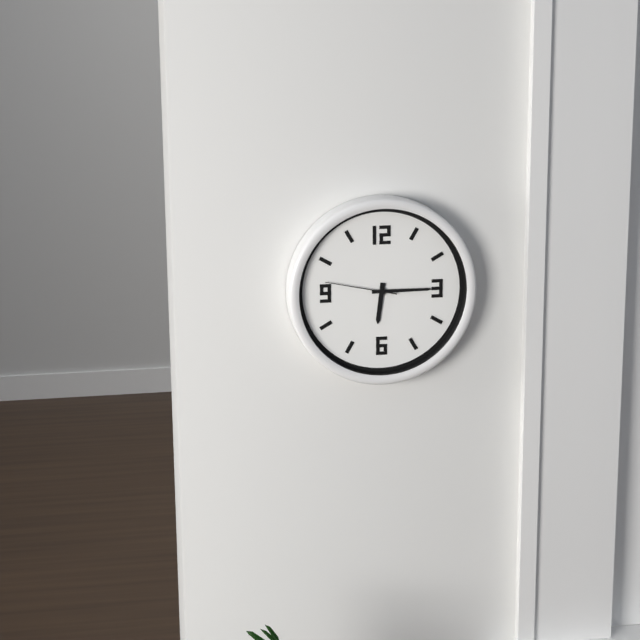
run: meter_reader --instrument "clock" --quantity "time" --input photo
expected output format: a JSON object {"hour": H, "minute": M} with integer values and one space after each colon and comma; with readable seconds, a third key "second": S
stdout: {"hour": 6, "minute": 15, "second": 47}
